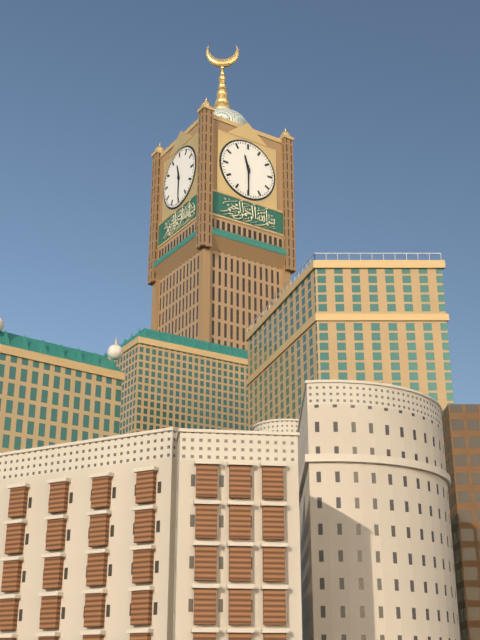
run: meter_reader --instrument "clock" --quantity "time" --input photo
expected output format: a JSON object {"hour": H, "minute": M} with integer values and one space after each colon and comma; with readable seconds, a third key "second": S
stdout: {"hour": 11, "minute": 30}
